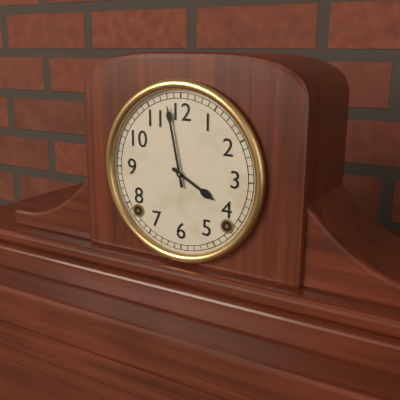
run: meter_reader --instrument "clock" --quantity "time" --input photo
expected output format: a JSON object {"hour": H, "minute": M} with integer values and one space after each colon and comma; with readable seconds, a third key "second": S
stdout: {"hour": 3, "minute": 58}
